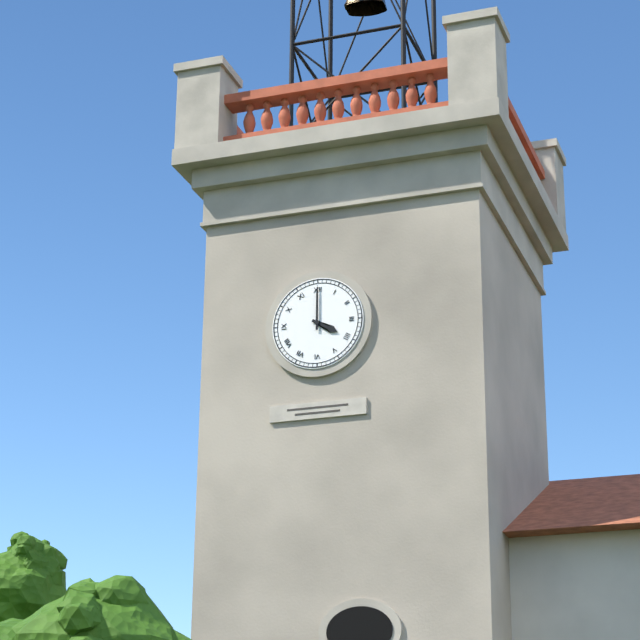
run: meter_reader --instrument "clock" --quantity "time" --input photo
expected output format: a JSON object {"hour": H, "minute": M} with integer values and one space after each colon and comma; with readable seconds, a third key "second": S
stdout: {"hour": 4, "minute": 0}
